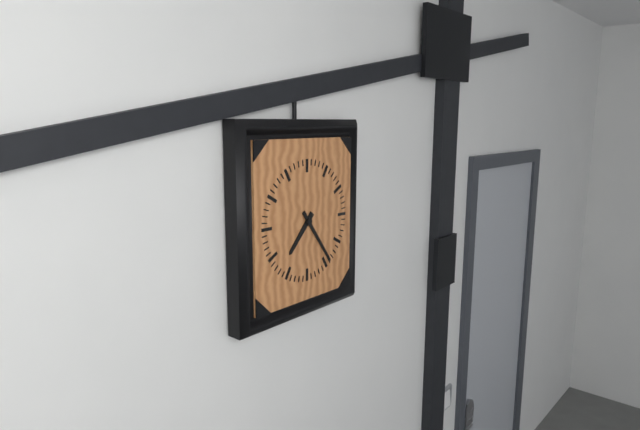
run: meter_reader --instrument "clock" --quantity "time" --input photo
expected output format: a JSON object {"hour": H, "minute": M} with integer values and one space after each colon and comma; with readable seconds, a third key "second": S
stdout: {"hour": 7, "minute": 24}
